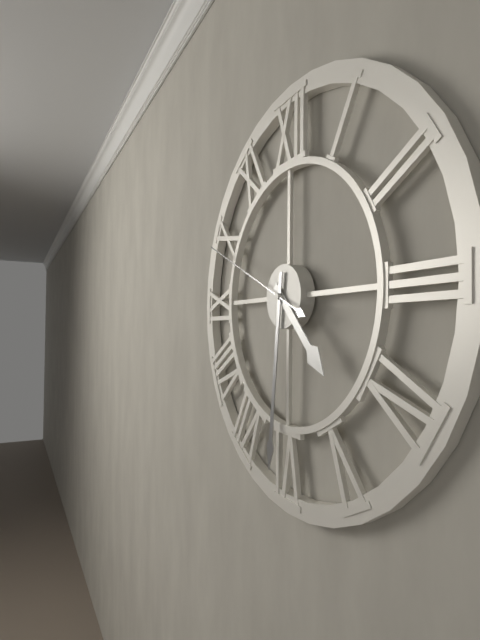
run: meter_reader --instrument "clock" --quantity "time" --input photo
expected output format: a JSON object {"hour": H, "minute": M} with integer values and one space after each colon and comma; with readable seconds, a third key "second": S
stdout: {"hour": 4, "minute": 31, "second": 49}
